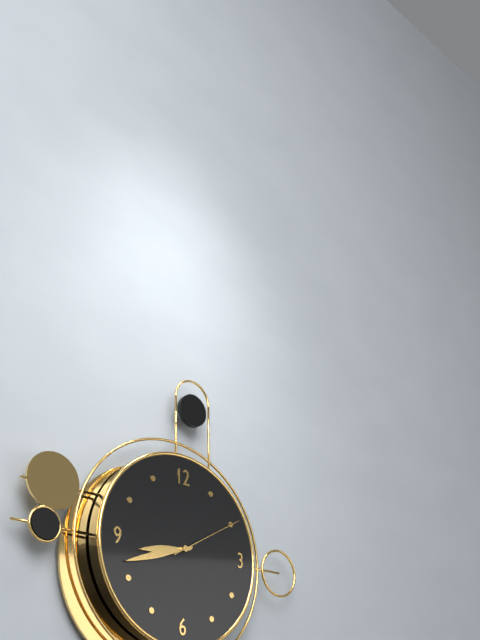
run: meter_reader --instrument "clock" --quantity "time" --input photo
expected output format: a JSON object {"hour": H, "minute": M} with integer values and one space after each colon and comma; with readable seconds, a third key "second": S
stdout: {"hour": 8, "minute": 42, "second": 10}
